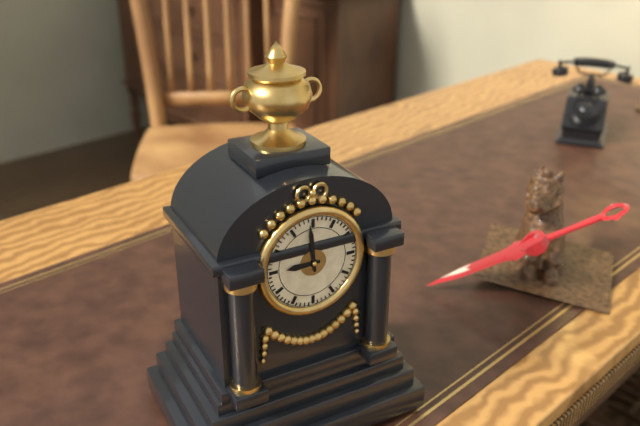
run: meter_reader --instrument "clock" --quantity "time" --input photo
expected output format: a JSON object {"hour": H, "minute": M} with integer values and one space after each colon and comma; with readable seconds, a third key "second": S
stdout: {"hour": 8, "minute": 59}
